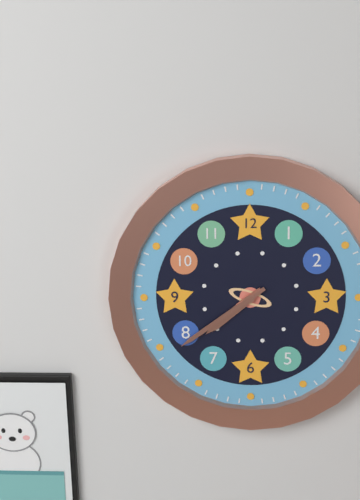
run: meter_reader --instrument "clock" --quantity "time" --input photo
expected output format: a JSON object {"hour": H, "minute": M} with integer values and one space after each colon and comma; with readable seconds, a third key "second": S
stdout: {"hour": 7, "minute": 39}
